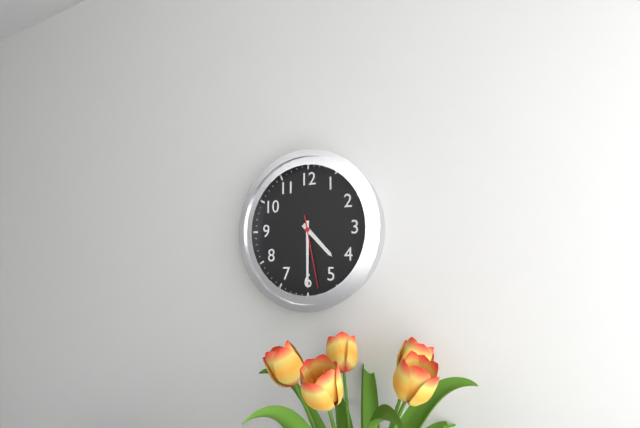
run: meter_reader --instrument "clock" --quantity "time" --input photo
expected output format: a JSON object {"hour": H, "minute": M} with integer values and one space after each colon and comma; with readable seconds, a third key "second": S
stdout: {"hour": 4, "minute": 30, "second": 28}
